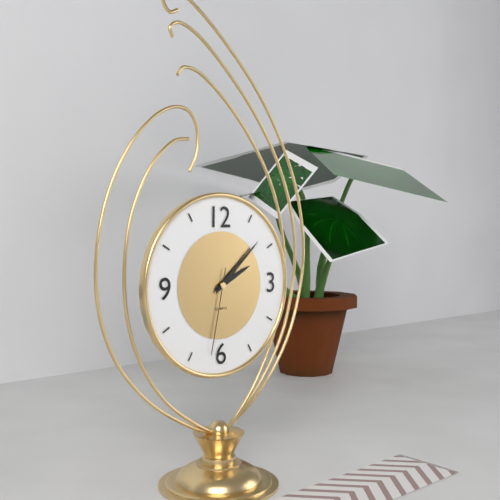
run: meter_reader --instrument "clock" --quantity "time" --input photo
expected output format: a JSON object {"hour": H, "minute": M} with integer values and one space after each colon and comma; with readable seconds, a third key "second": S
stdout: {"hour": 2, "minute": 8, "second": 32}
